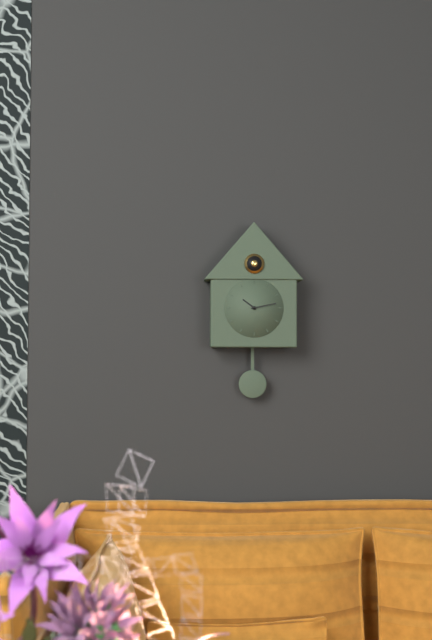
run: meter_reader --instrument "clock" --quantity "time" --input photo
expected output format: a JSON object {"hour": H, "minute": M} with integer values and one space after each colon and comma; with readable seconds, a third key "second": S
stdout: {"hour": 10, "minute": 13}
